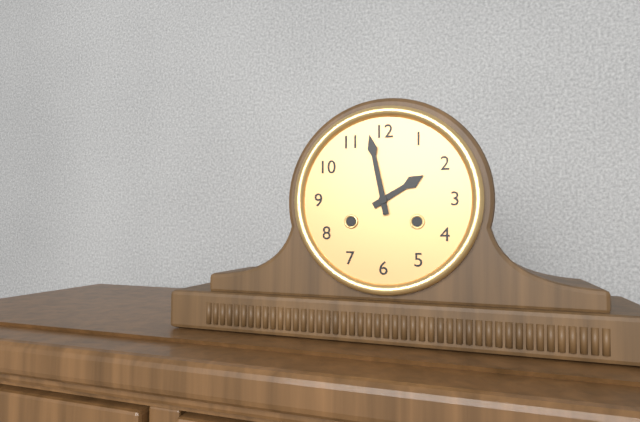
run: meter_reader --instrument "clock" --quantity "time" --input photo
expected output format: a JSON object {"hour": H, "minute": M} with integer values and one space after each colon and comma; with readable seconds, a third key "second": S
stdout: {"hour": 1, "minute": 58}
